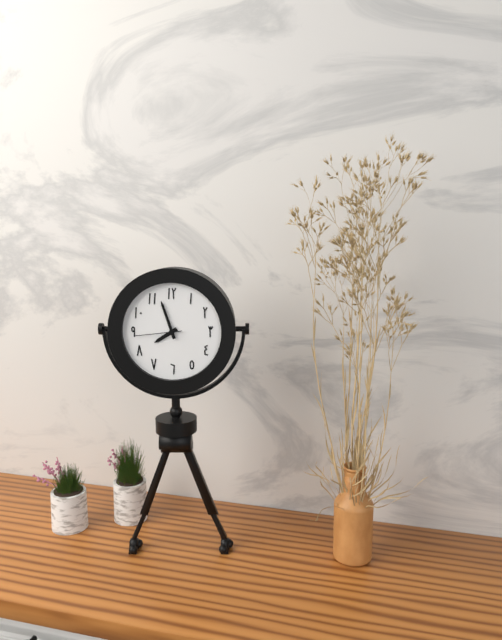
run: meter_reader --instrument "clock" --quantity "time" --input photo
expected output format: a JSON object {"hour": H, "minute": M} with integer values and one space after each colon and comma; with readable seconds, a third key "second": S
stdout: {"hour": 7, "minute": 57}
